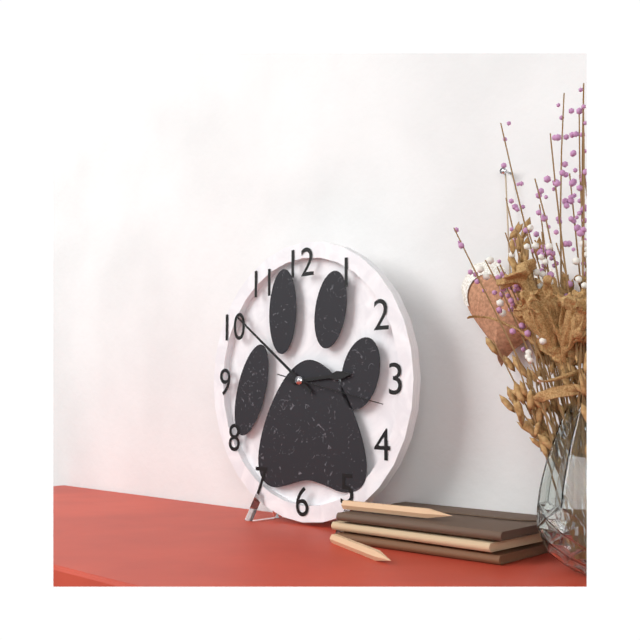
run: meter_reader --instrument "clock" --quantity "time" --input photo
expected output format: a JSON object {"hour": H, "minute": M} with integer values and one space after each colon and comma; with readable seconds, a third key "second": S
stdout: {"hour": 2, "minute": 51, "second": 17}
